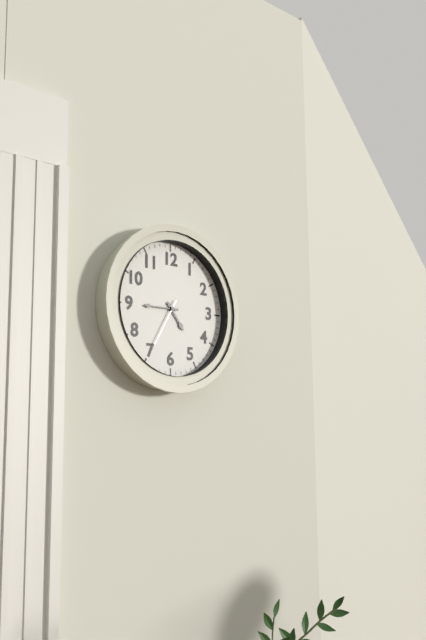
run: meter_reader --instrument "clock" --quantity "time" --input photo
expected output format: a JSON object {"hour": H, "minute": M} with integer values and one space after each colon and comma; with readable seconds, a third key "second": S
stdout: {"hour": 4, "minute": 45}
